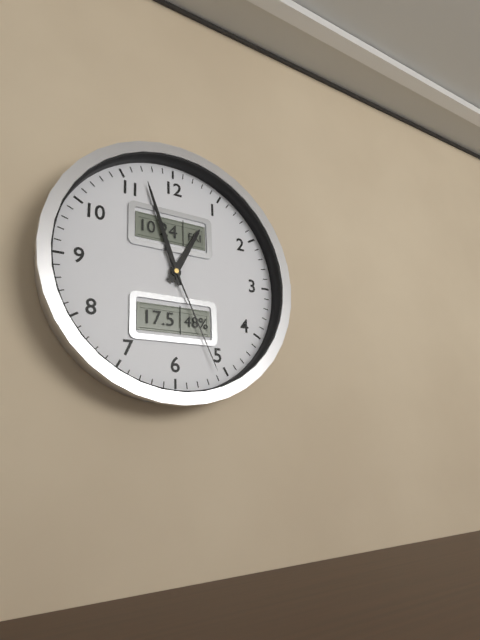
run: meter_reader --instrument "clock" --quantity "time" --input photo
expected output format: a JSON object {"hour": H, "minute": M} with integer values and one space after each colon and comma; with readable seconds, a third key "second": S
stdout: {"hour": 12, "minute": 57, "second": 26}
